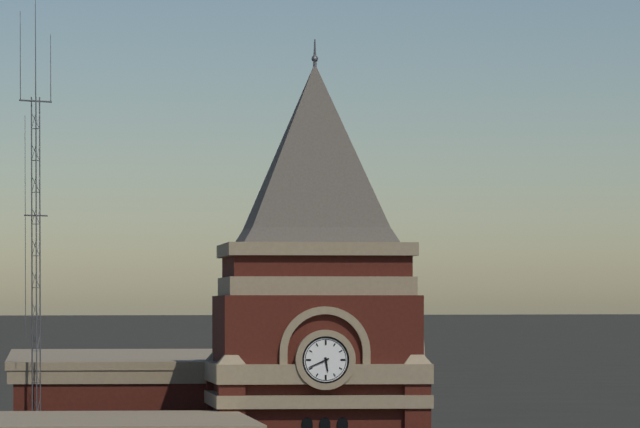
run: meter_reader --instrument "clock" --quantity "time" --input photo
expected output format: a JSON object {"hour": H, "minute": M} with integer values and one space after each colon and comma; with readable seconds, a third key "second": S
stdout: {"hour": 5, "minute": 41}
